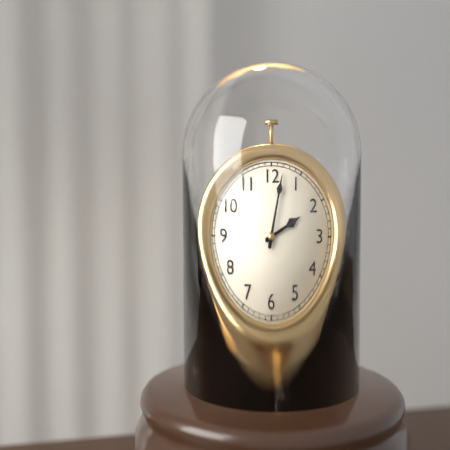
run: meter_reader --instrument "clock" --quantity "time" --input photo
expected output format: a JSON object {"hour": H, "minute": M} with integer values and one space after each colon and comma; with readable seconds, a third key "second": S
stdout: {"hour": 2, "minute": 2}
